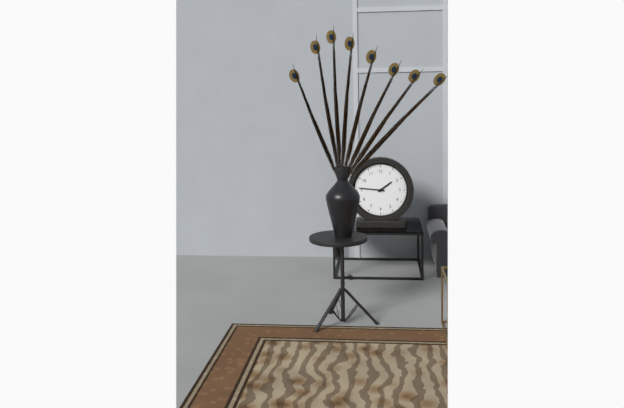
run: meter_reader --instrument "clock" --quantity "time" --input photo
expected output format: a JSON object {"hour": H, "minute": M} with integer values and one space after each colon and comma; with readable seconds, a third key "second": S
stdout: {"hour": 1, "minute": 46}
